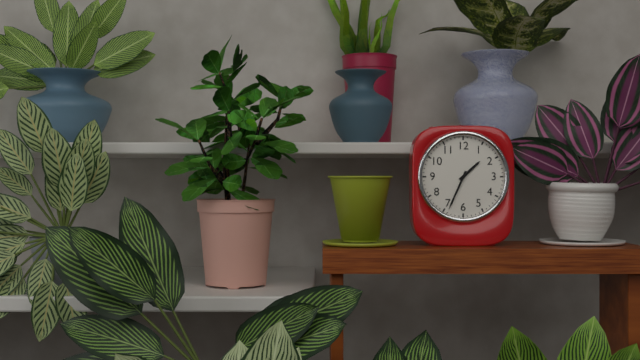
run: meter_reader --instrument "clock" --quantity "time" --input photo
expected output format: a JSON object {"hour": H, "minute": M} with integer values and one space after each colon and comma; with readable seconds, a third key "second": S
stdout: {"hour": 1, "minute": 34}
